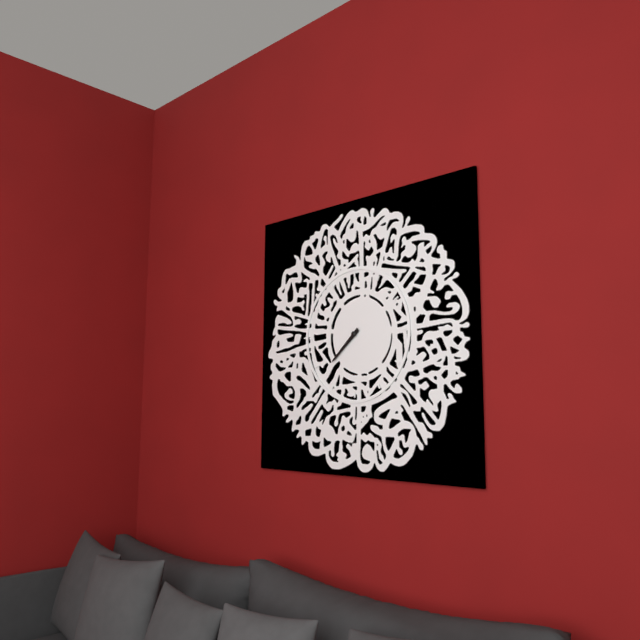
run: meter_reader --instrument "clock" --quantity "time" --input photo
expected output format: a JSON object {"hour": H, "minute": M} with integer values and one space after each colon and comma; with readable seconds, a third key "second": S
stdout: {"hour": 7, "minute": 38}
